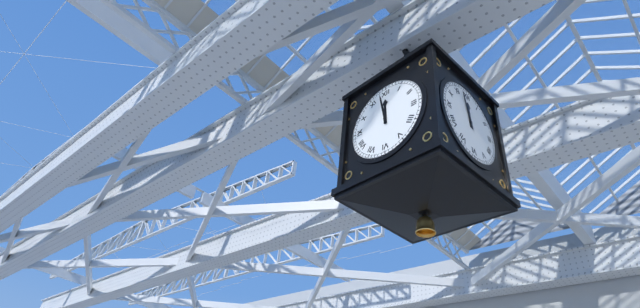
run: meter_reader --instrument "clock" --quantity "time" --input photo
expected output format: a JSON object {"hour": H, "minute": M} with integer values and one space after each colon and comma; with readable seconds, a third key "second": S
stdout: {"hour": 11, "minute": 58}
